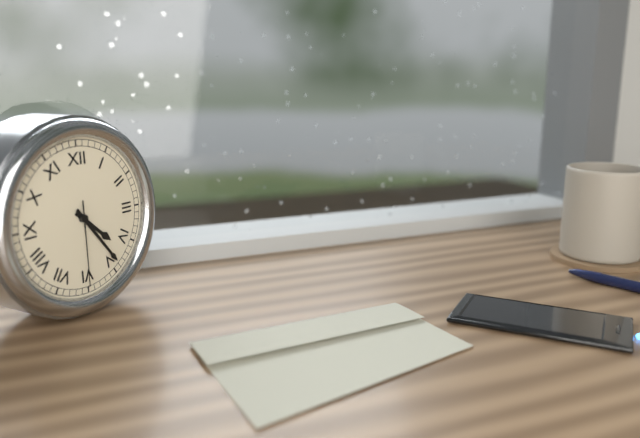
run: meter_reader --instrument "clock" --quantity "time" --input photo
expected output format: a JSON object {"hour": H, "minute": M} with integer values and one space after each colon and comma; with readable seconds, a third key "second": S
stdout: {"hour": 4, "minute": 24, "second": 30}
